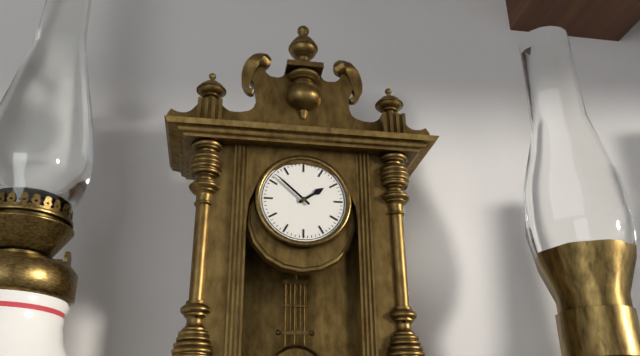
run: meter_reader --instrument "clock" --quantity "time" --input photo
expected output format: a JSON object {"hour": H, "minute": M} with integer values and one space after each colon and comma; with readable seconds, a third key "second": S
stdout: {"hour": 1, "minute": 52}
